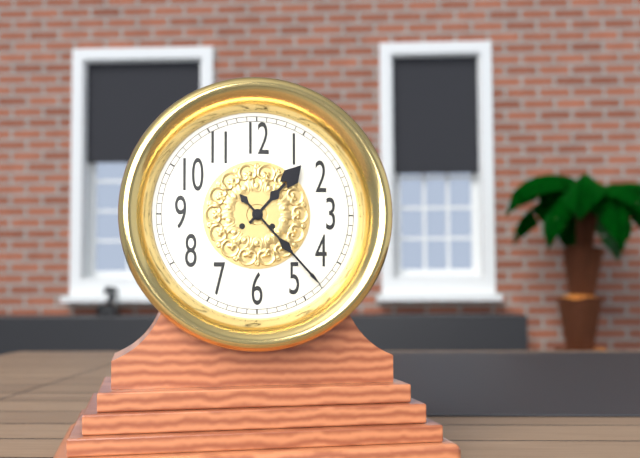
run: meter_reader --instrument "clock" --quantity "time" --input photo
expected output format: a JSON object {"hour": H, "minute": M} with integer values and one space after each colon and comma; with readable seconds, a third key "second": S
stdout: {"hour": 1, "minute": 23}
